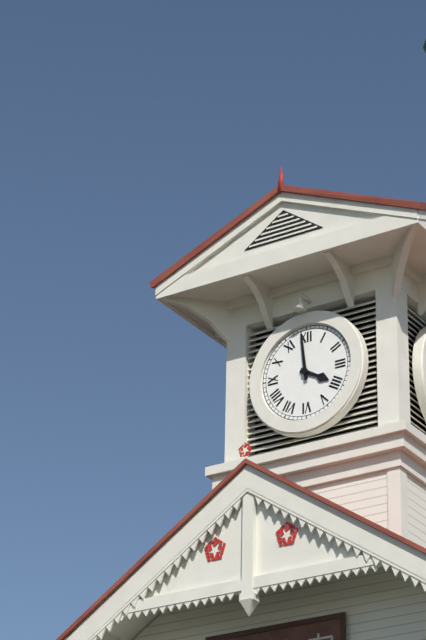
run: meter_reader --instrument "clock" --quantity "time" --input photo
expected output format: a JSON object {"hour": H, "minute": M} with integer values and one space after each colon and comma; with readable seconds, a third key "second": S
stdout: {"hour": 3, "minute": 59}
